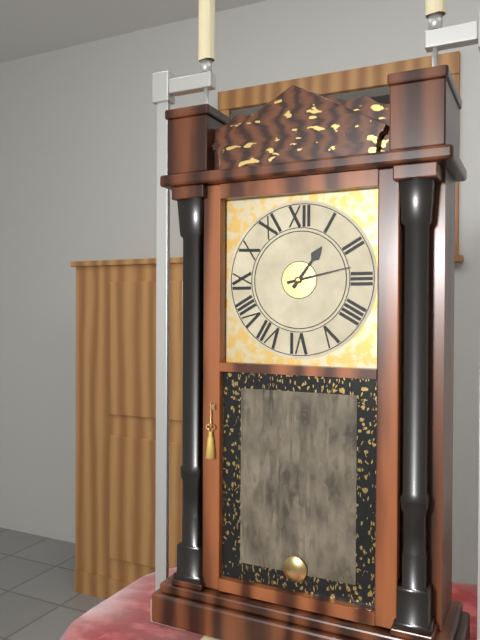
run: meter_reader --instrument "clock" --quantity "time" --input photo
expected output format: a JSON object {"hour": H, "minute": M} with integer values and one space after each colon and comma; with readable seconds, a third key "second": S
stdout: {"hour": 1, "minute": 13}
